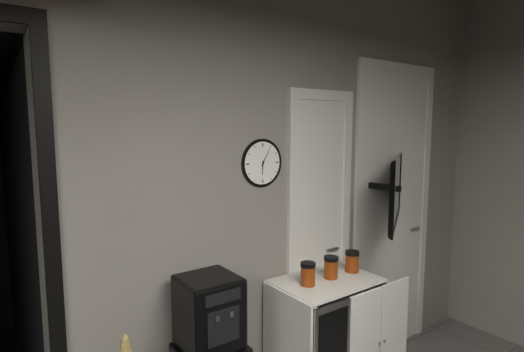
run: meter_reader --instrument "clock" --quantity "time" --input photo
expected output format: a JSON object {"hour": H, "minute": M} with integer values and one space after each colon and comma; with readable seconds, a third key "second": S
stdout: {"hour": 6, "minute": 5}
